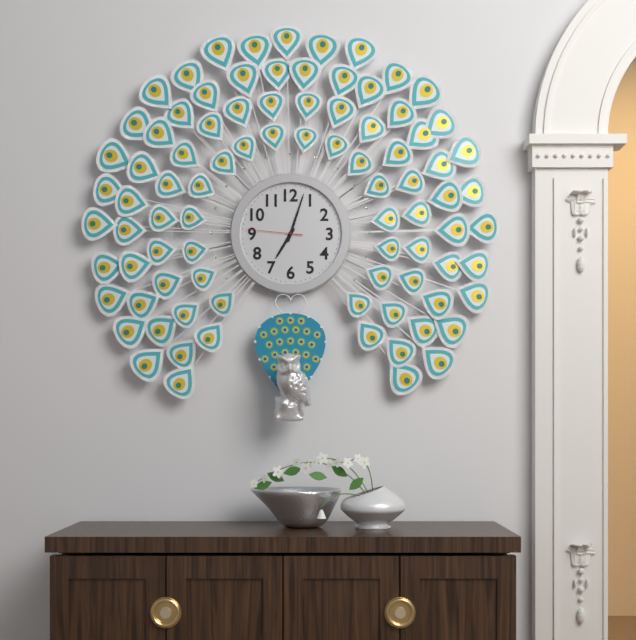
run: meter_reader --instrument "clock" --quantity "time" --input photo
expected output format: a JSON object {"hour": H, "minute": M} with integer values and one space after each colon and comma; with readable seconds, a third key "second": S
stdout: {"hour": 7, "minute": 3, "second": 46}
